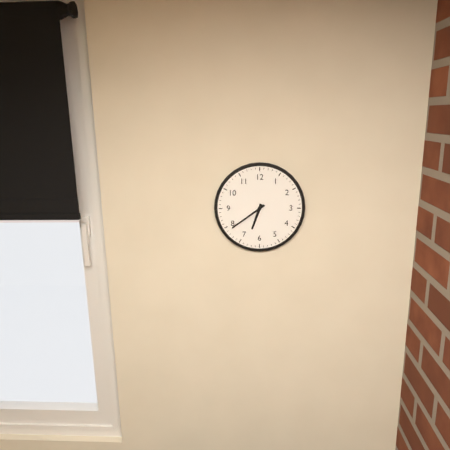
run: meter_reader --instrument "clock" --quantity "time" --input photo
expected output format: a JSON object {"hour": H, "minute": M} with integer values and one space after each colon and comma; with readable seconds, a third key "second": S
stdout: {"hour": 6, "minute": 39}
